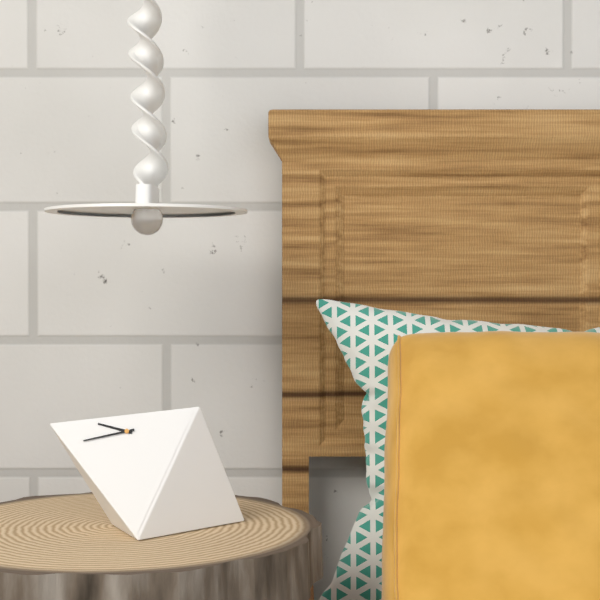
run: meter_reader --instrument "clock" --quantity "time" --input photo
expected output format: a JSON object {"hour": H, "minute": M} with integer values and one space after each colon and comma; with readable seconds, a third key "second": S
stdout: {"hour": 9, "minute": 44}
